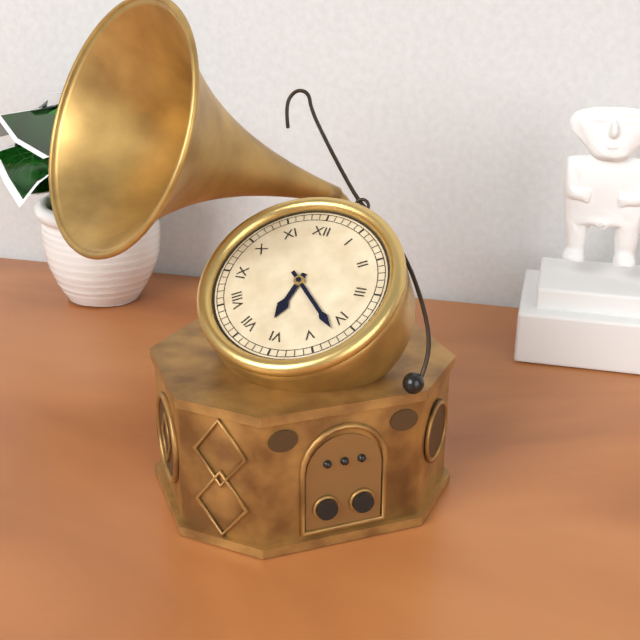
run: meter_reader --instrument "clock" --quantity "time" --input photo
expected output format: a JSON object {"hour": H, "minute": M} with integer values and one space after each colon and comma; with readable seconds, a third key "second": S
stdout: {"hour": 6, "minute": 22}
